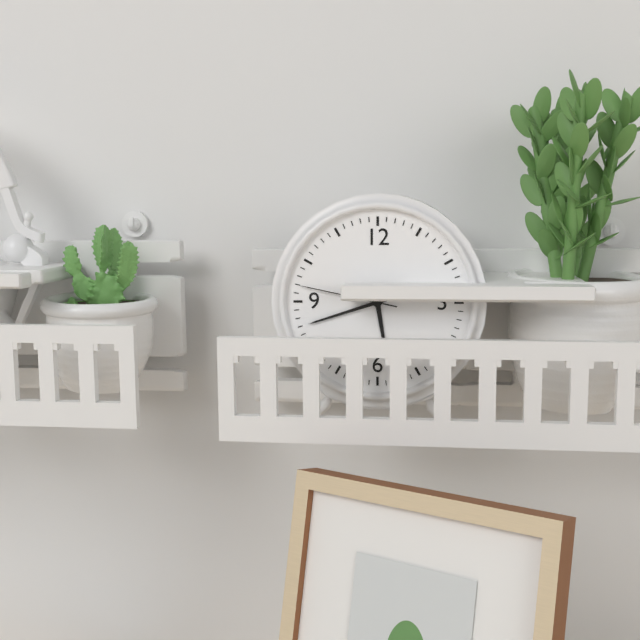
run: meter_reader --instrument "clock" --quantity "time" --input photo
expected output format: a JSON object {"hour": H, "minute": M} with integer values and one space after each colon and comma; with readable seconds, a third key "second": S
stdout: {"hour": 5, "minute": 42, "second": 47}
